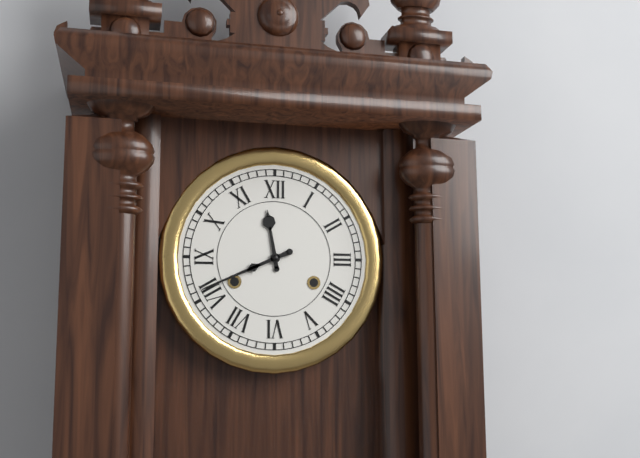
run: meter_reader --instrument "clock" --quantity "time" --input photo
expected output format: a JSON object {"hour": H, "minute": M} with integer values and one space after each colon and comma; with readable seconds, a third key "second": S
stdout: {"hour": 11, "minute": 41}
